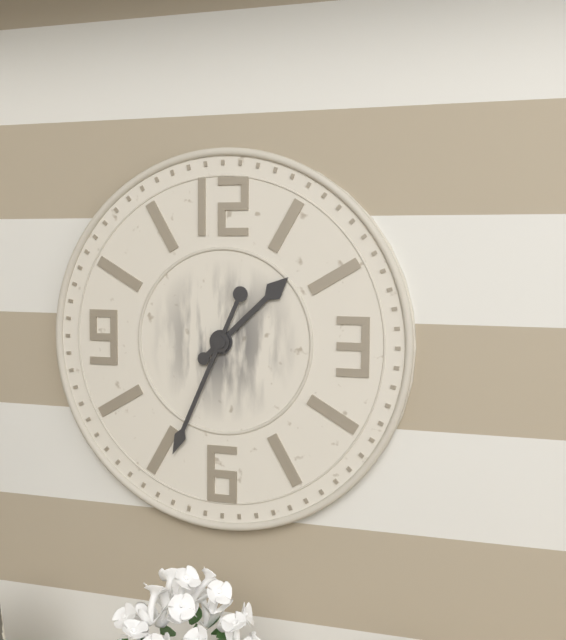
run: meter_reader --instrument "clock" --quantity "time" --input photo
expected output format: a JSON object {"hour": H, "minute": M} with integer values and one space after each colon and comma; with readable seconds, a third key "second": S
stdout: {"hour": 1, "minute": 34}
